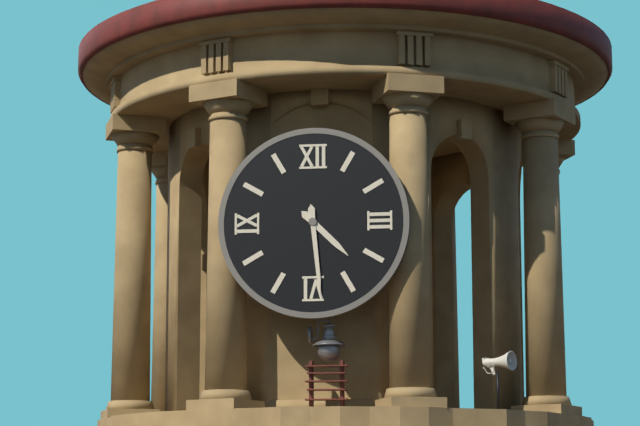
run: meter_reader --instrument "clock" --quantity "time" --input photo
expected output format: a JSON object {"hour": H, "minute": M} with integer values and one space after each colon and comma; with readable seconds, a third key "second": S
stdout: {"hour": 4, "minute": 29}
